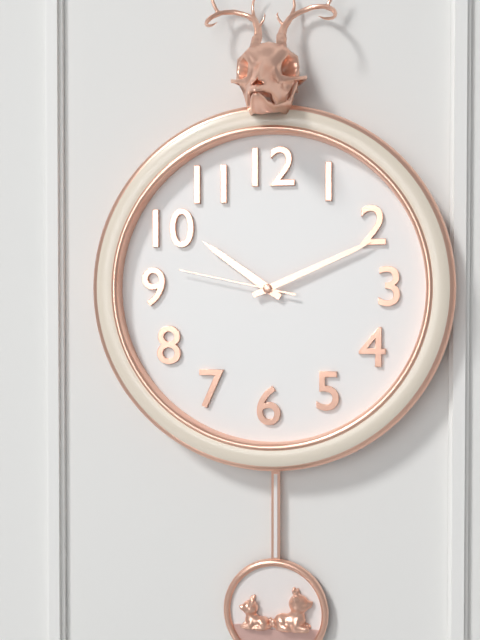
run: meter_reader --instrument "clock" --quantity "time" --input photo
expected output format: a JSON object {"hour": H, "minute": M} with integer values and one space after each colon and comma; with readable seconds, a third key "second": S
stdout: {"hour": 10, "minute": 11, "second": 47}
